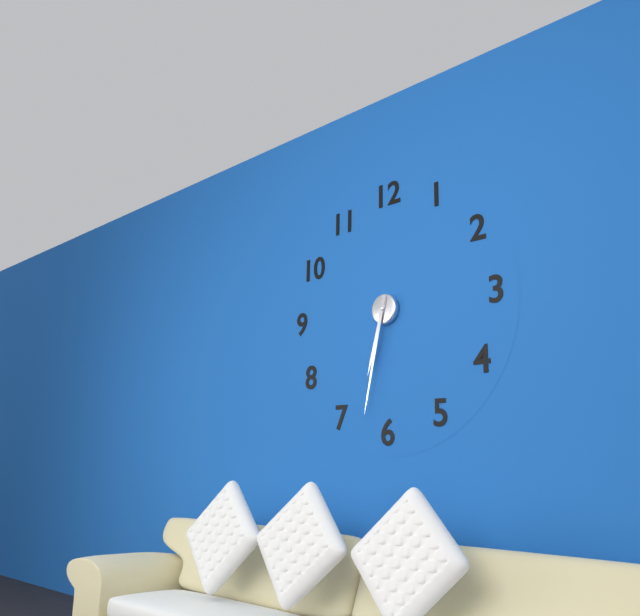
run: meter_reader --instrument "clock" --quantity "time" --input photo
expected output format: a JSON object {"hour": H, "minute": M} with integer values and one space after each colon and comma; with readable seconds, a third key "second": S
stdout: {"hour": 6, "minute": 32}
